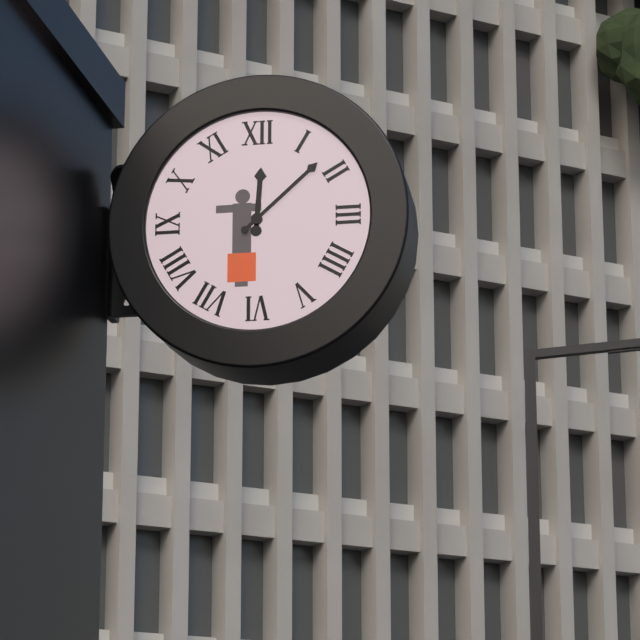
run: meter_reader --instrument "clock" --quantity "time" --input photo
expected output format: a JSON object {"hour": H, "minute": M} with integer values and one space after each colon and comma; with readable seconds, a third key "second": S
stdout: {"hour": 12, "minute": 8}
